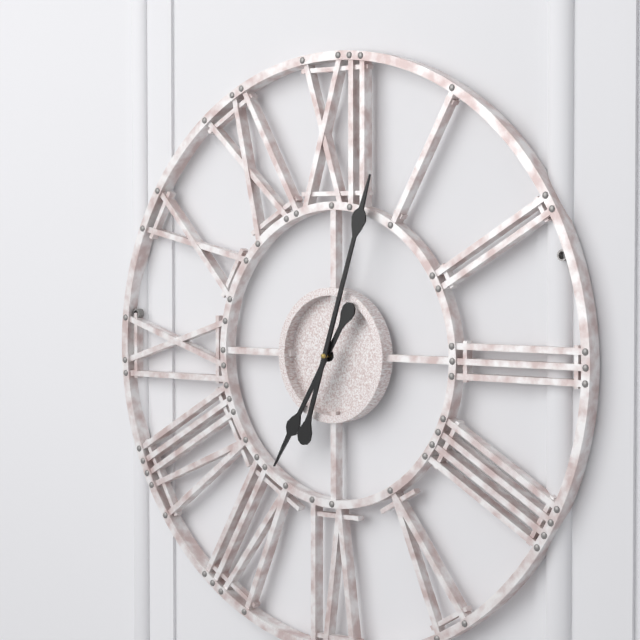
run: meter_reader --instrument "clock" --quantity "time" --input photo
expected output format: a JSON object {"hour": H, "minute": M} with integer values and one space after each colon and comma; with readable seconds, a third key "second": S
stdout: {"hour": 7, "minute": 3}
